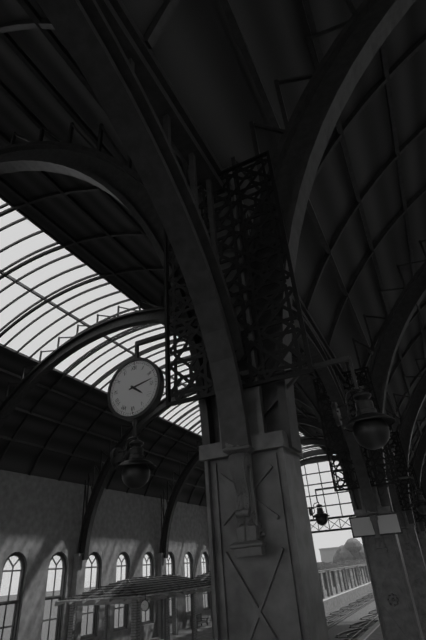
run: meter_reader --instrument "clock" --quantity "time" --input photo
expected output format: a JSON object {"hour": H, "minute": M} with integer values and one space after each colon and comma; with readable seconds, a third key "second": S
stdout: {"hour": 4, "minute": 13}
